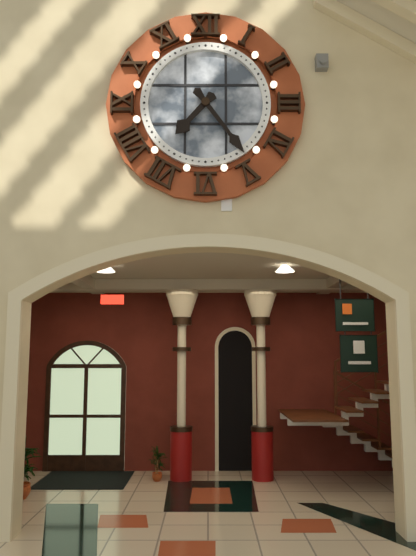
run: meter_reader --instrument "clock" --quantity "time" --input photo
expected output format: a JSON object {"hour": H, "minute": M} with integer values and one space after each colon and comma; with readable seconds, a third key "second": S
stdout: {"hour": 7, "minute": 24}
